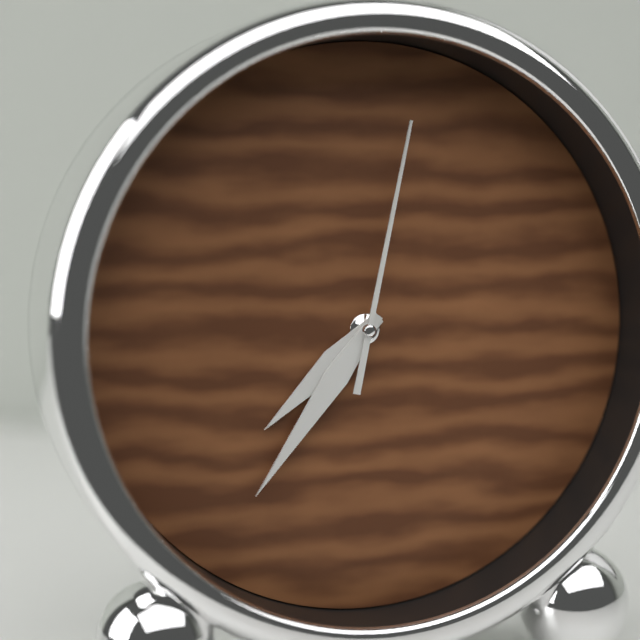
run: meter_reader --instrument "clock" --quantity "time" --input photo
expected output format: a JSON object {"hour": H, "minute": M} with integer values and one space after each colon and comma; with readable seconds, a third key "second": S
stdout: {"hour": 7, "minute": 36, "second": 2}
